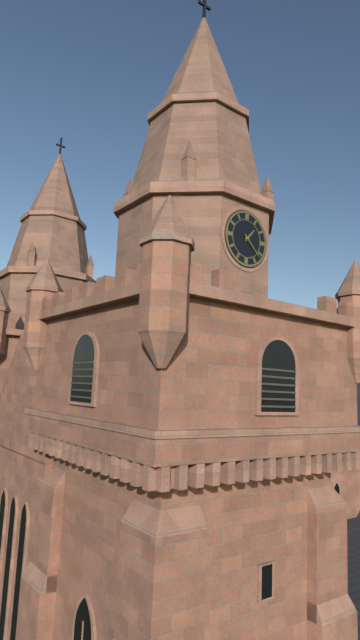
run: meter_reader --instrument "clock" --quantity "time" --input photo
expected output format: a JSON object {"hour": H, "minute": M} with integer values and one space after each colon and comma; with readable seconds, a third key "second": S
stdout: {"hour": 1, "minute": 22}
